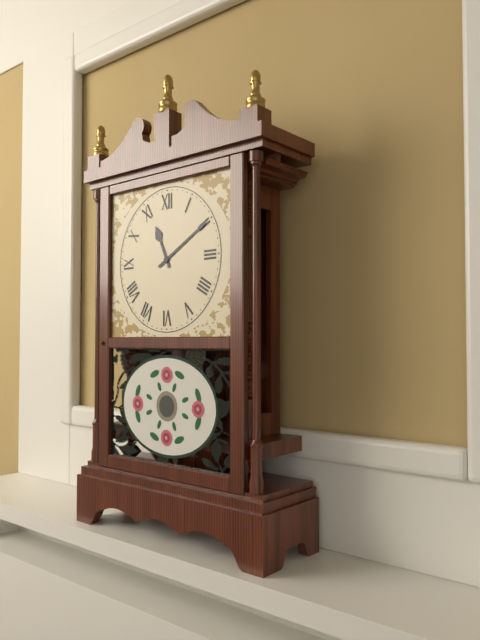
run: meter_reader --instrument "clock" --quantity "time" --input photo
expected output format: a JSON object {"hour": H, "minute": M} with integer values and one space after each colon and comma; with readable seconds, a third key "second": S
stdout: {"hour": 11, "minute": 10}
